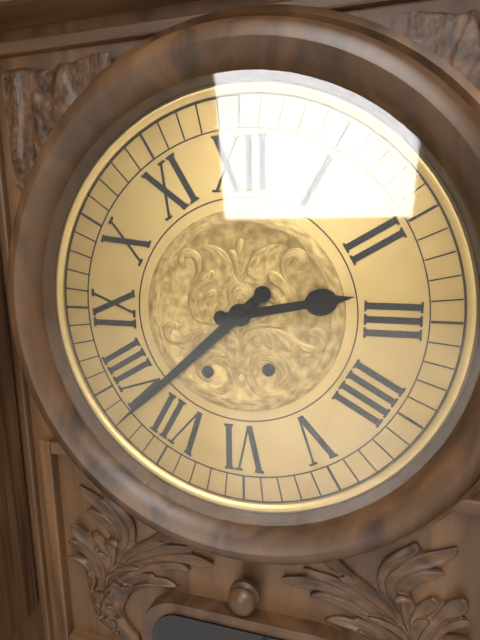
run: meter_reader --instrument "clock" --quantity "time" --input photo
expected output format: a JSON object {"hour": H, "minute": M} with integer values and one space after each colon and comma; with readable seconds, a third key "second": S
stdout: {"hour": 2, "minute": 38}
